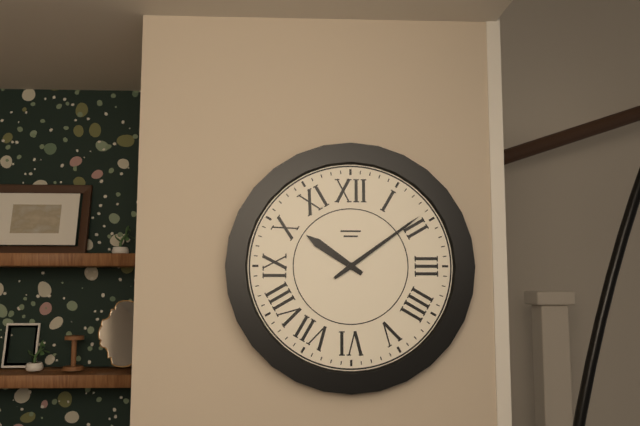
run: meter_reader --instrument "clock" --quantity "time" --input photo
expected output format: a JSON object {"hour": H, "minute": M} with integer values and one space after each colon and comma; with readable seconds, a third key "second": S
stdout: {"hour": 10, "minute": 9}
